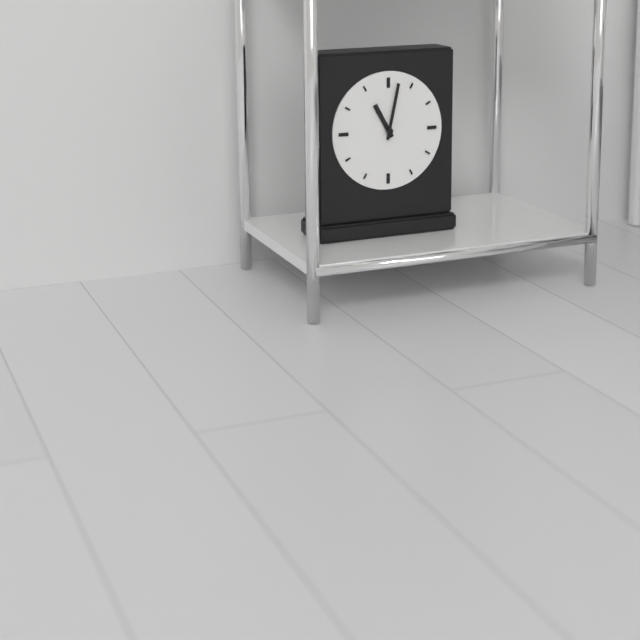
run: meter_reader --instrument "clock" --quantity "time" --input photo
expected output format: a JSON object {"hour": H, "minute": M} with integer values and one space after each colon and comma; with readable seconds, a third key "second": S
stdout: {"hour": 11, "minute": 2}
